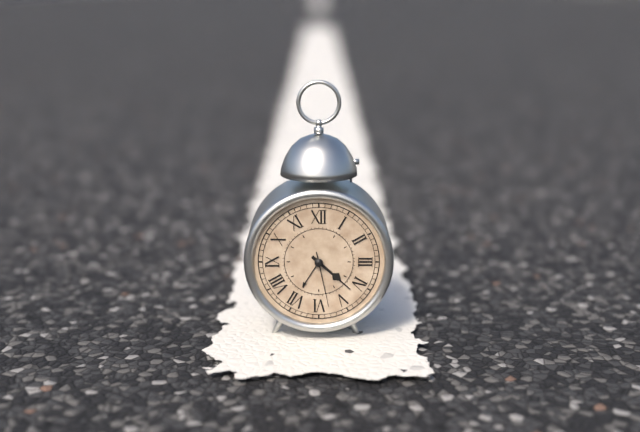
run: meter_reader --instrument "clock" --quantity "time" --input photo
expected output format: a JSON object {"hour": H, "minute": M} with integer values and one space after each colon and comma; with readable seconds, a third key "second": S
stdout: {"hour": 4, "minute": 22, "second": 28}
